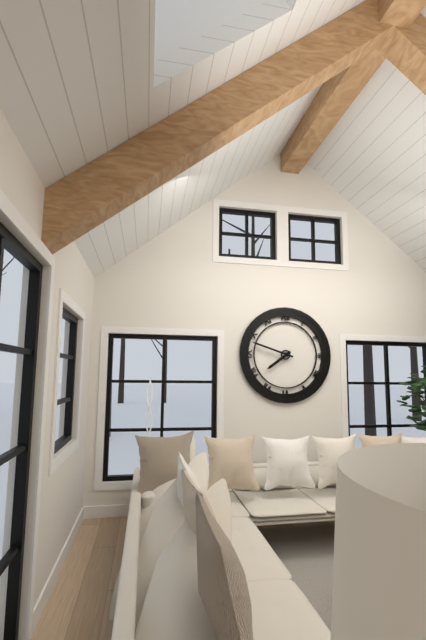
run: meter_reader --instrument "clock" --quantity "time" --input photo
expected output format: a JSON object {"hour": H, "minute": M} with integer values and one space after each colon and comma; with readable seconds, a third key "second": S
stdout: {"hour": 7, "minute": 48}
